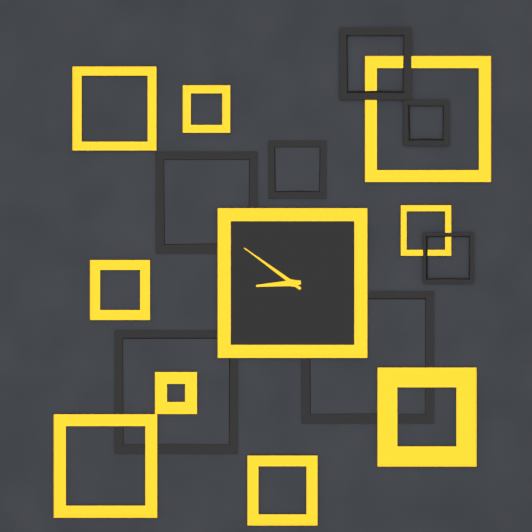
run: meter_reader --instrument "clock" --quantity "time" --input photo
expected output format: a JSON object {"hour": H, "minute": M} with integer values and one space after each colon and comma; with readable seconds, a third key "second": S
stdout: {"hour": 8, "minute": 51}
